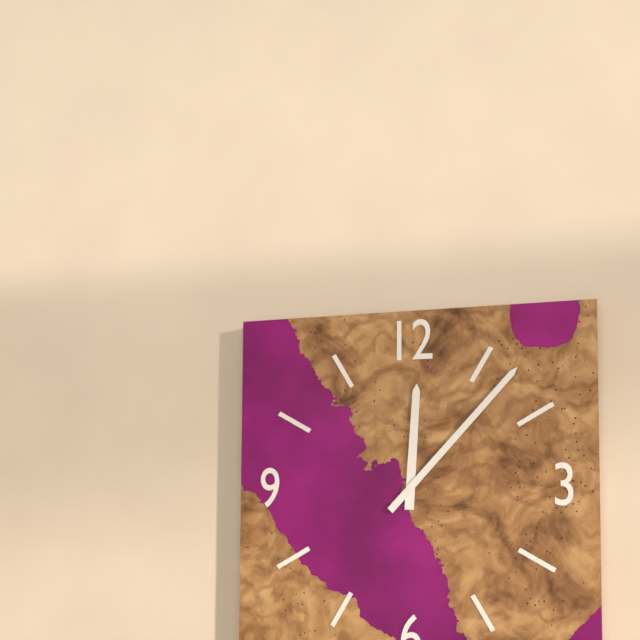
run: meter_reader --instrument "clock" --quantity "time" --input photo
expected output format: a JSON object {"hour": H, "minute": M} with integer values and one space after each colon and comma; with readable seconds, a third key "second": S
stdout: {"hour": 12, "minute": 7}
